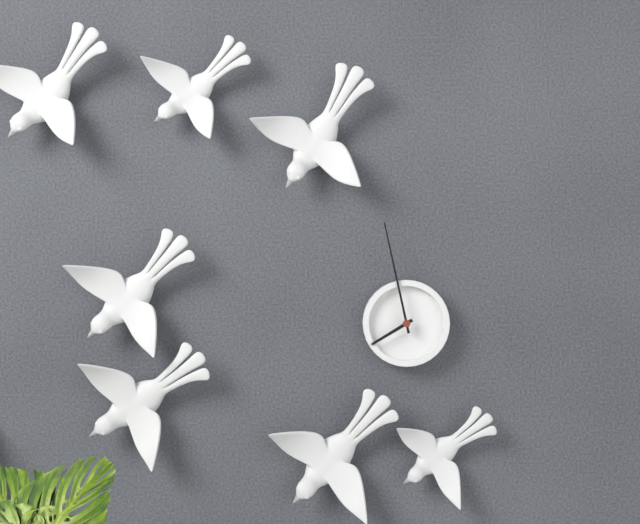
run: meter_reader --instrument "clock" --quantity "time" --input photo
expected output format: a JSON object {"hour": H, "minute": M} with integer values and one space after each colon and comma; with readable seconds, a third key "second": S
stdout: {"hour": 7, "minute": 58}
